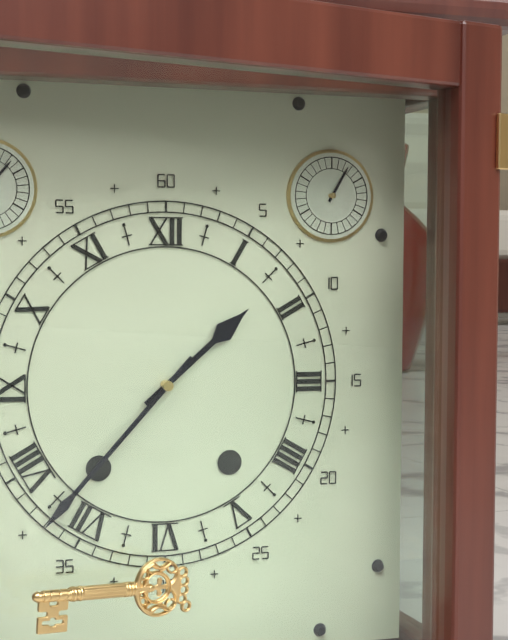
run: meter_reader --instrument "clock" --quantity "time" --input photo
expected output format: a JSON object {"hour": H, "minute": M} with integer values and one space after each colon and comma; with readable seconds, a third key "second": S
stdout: {"hour": 1, "minute": 37}
